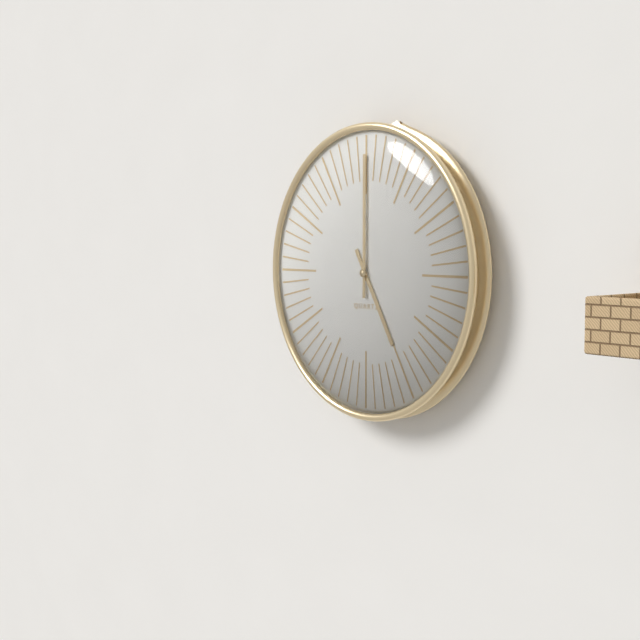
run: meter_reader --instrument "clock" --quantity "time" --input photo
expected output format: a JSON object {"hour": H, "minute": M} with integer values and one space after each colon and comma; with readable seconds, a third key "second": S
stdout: {"hour": 5, "minute": 0}
